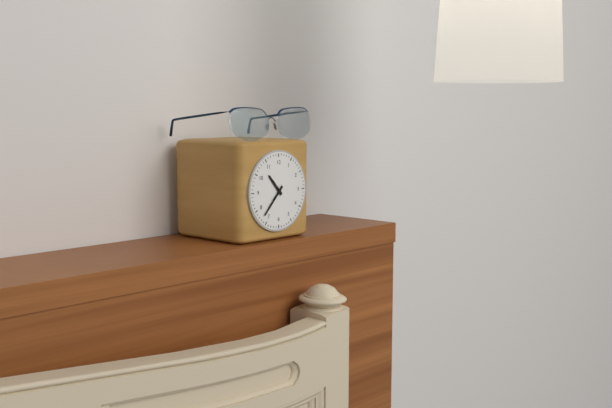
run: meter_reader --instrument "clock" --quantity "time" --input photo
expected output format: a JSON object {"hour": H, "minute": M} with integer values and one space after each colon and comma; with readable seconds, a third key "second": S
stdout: {"hour": 10, "minute": 37}
